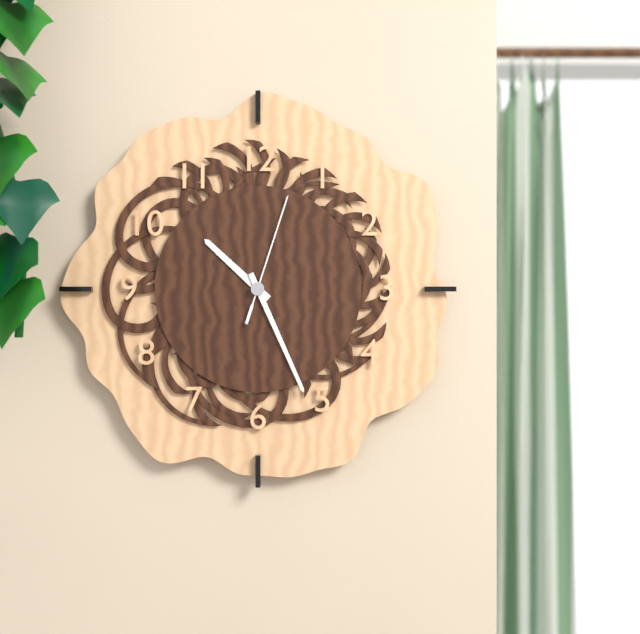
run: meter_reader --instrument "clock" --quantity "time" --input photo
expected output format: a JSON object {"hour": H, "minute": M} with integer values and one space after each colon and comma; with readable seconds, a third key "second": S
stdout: {"hour": 10, "minute": 26, "second": 3}
